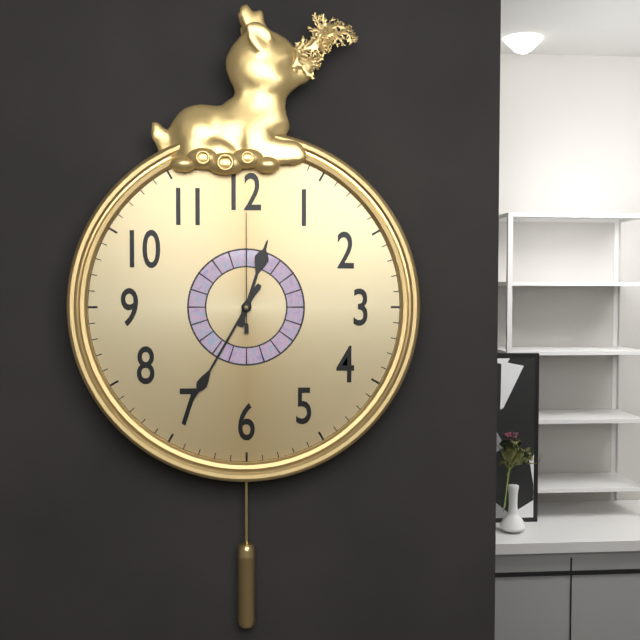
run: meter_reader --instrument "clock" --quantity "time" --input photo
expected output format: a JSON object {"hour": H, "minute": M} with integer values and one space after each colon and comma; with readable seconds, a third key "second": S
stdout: {"hour": 12, "minute": 35, "second": 0}
